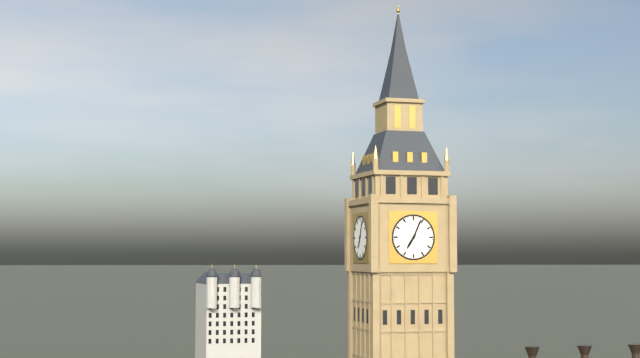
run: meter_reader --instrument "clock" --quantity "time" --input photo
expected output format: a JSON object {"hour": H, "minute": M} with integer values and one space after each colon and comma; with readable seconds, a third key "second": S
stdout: {"hour": 7, "minute": 4}
